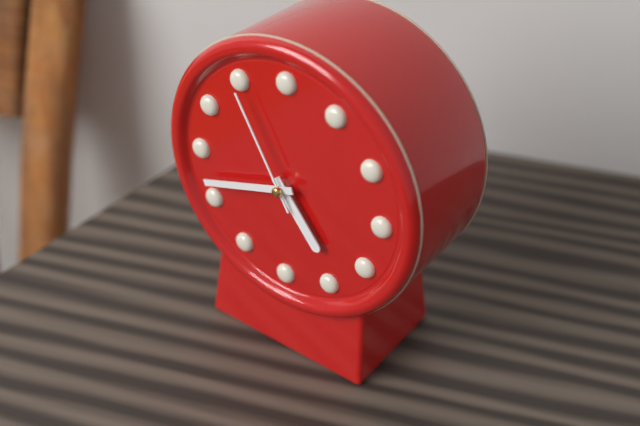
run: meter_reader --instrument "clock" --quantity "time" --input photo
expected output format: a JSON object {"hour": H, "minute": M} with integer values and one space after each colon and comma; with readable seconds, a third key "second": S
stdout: {"hour": 4, "minute": 42, "second": 55}
